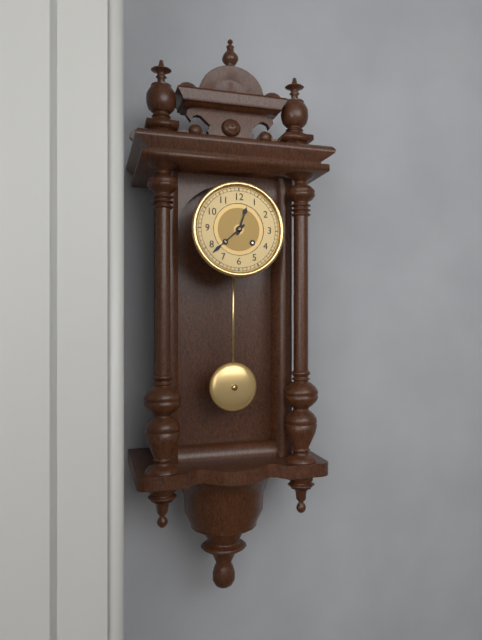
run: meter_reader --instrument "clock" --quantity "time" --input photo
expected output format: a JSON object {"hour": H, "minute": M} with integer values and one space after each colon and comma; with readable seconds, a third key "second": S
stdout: {"hour": 12, "minute": 38}
